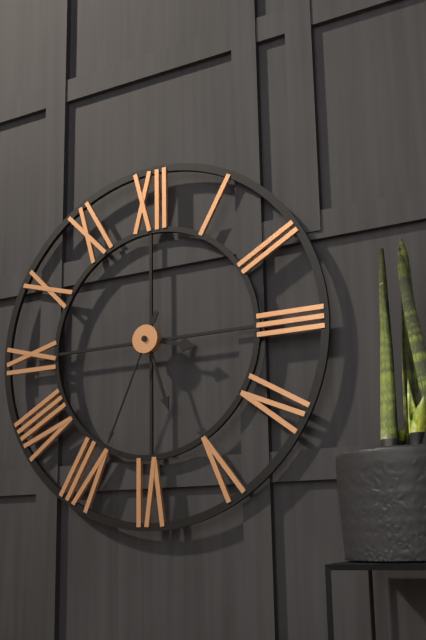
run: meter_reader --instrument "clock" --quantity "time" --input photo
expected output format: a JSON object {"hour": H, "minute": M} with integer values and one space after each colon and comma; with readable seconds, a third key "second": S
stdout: {"hour": 3, "minute": 27, "second": 34}
